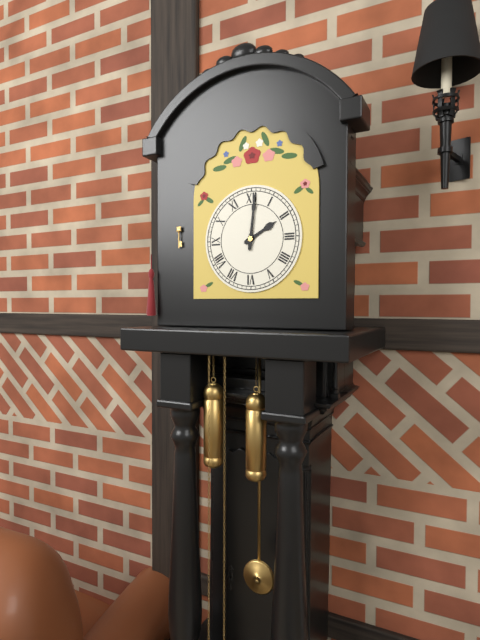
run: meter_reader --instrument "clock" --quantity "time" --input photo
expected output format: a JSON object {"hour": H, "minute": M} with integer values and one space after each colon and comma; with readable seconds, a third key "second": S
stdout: {"hour": 2, "minute": 1}
